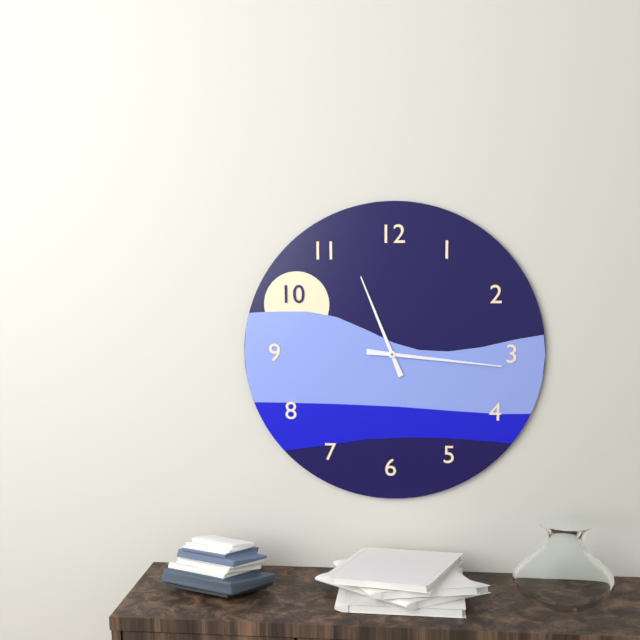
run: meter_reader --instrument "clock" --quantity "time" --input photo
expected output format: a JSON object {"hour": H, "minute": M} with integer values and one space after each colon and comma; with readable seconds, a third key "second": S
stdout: {"hour": 11, "minute": 16}
